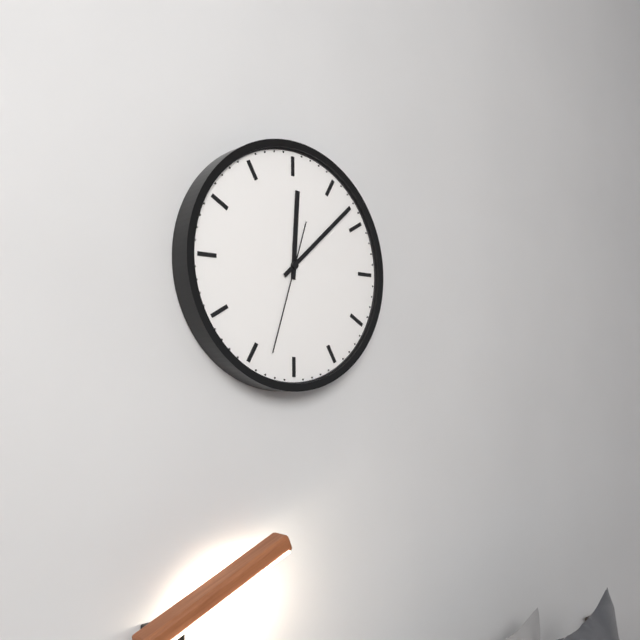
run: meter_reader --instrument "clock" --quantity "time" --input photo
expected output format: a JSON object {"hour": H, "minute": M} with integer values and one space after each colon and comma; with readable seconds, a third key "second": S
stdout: {"hour": 12, "minute": 8, "second": 33}
